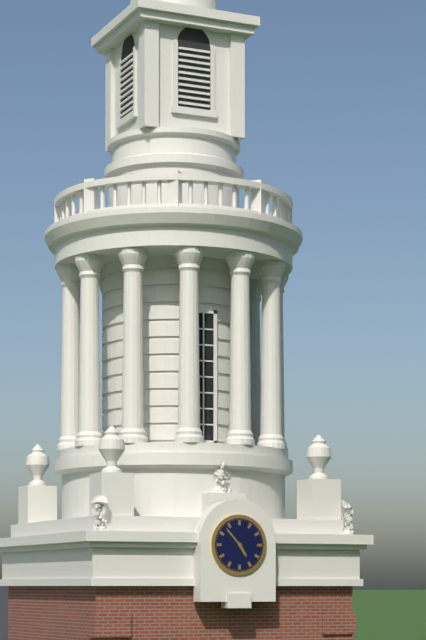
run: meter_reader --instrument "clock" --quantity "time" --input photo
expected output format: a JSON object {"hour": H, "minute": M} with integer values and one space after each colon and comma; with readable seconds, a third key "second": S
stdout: {"hour": 4, "minute": 53}
